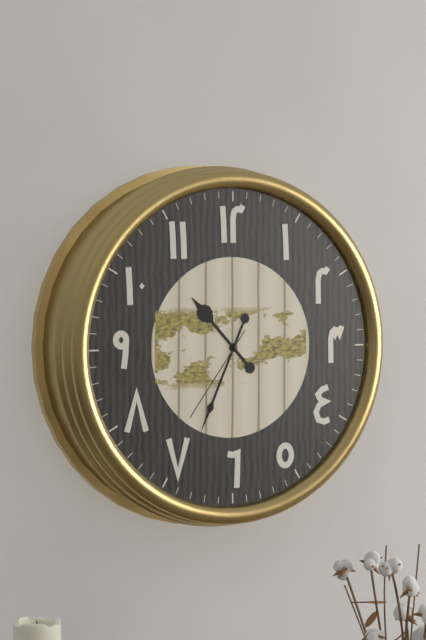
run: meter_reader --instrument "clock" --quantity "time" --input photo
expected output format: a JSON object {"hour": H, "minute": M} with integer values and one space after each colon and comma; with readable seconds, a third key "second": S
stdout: {"hour": 10, "minute": 34, "second": 36}
